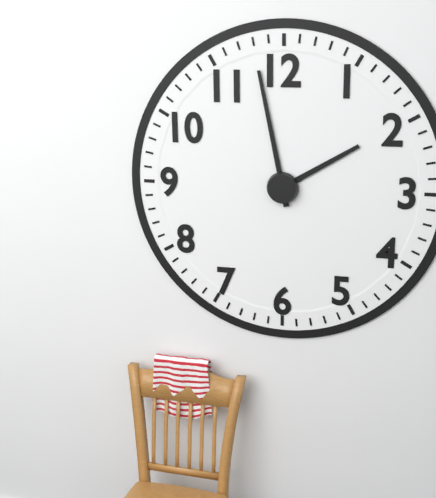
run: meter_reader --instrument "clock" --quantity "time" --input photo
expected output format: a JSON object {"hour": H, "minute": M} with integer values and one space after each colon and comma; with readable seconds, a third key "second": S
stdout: {"hour": 1, "minute": 58}
